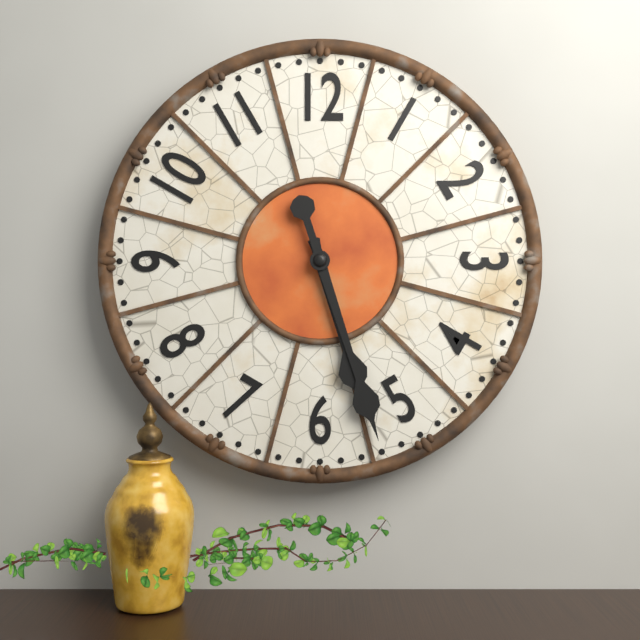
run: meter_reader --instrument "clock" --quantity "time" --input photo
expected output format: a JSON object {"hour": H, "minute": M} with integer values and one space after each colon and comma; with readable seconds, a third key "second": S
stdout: {"hour": 5, "minute": 27}
